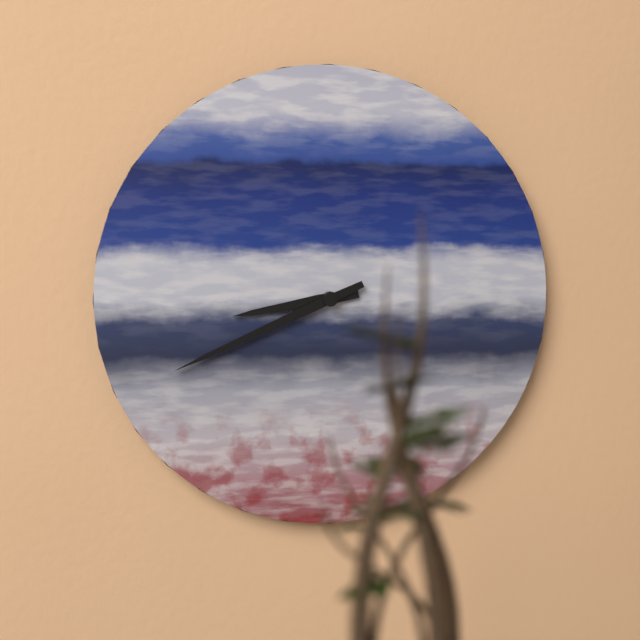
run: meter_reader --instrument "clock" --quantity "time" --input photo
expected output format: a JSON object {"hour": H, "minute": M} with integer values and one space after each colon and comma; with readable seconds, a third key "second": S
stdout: {"hour": 8, "minute": 41}
